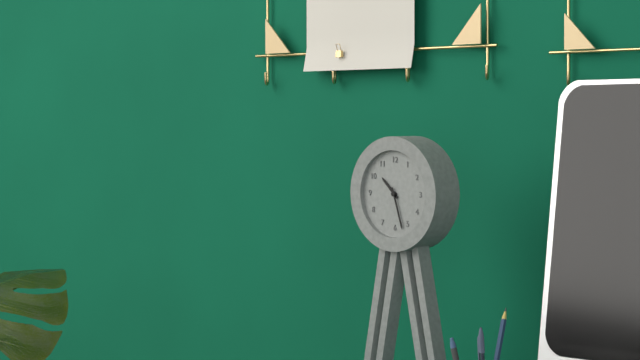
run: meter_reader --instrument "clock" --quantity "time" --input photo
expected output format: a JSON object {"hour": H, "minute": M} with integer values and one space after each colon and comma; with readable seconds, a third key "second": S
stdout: {"hour": 10, "minute": 27}
